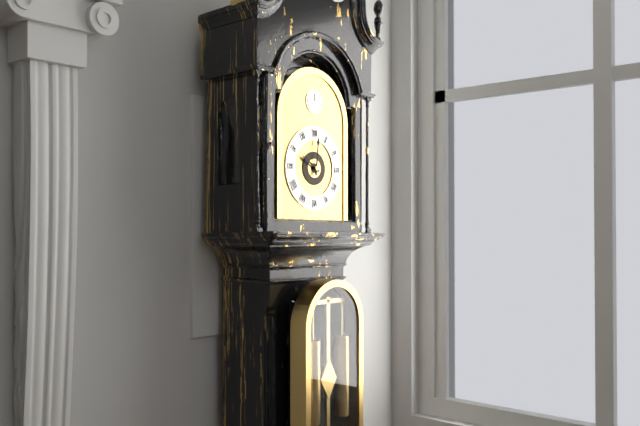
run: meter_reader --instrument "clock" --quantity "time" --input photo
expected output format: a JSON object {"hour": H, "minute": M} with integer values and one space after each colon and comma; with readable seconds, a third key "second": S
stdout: {"hour": 10, "minute": 1}
